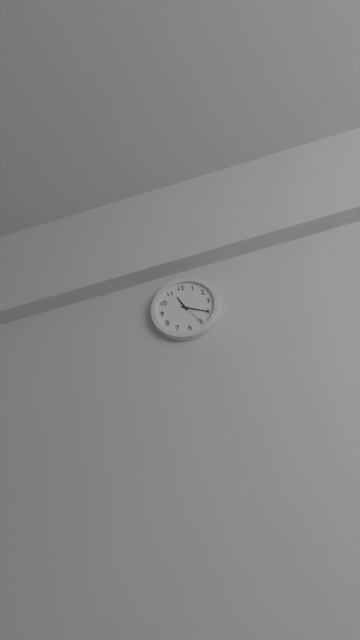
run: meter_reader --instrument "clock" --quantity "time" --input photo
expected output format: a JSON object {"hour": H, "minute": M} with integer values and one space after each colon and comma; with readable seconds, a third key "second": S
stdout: {"hour": 11, "minute": 20}
